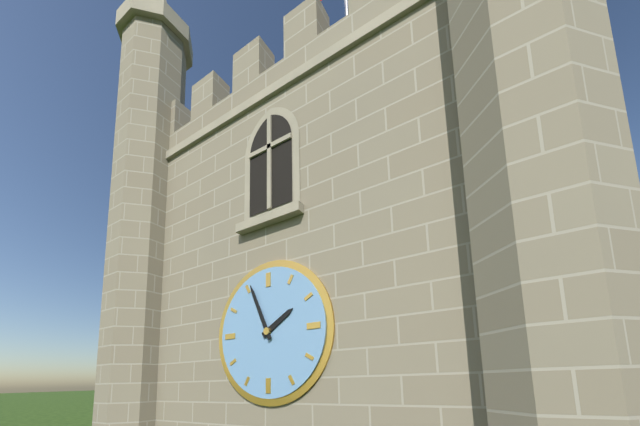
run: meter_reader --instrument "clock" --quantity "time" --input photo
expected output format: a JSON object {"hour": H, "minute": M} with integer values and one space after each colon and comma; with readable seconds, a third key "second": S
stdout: {"hour": 1, "minute": 56}
